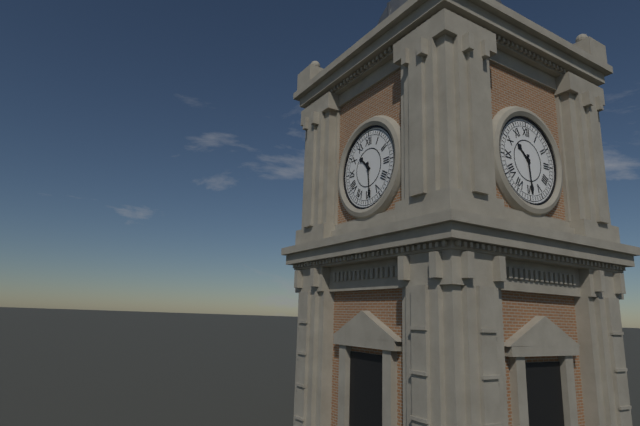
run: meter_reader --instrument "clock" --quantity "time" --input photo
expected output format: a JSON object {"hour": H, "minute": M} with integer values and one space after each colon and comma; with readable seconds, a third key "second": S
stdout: {"hour": 10, "minute": 29}
